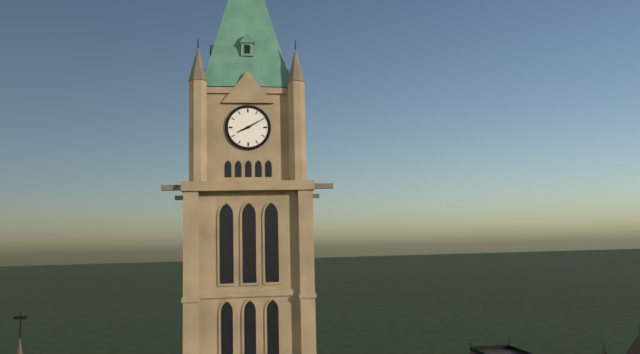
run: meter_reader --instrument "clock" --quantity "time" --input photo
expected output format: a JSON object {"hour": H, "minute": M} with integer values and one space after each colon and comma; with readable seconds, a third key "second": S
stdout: {"hour": 8, "minute": 10}
